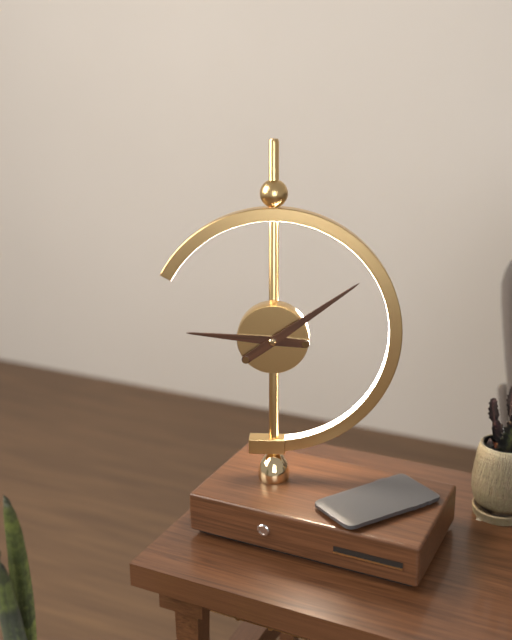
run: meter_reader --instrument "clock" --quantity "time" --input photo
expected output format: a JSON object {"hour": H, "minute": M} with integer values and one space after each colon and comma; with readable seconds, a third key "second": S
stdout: {"hour": 9, "minute": 9}
